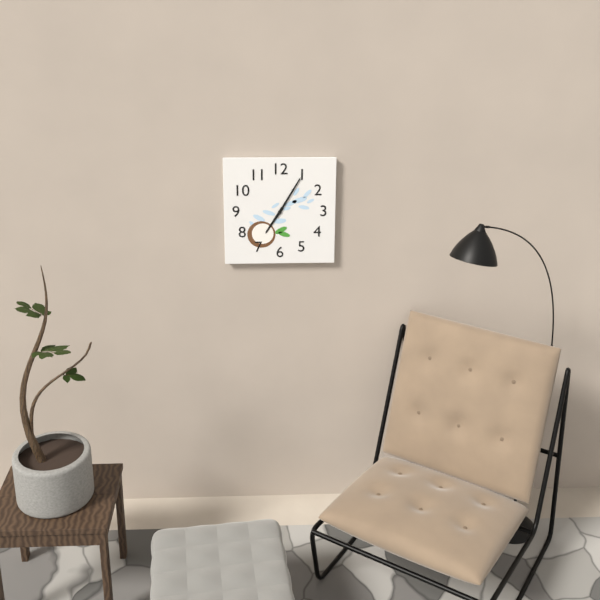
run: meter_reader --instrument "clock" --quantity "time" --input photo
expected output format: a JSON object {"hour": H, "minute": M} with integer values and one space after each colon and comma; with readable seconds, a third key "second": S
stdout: {"hour": 7, "minute": 5}
